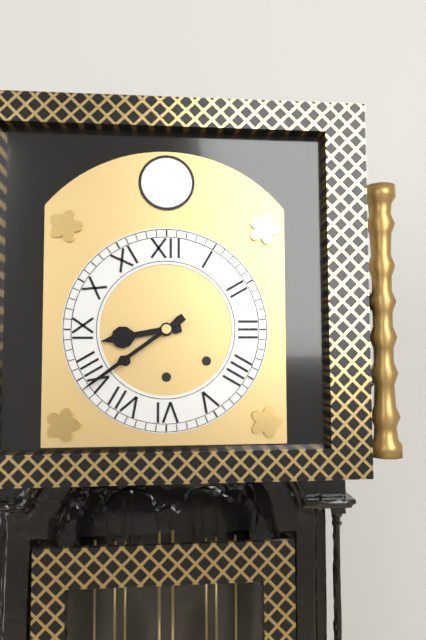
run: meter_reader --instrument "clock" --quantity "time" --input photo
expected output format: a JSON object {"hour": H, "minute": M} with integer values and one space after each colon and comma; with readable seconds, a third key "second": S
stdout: {"hour": 8, "minute": 39}
